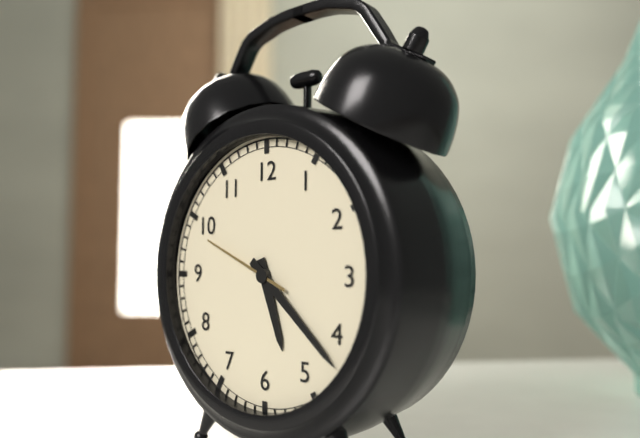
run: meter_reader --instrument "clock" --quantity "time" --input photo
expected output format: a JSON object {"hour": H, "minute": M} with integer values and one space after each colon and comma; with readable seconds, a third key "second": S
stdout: {"hour": 5, "minute": 22, "second": 49}
